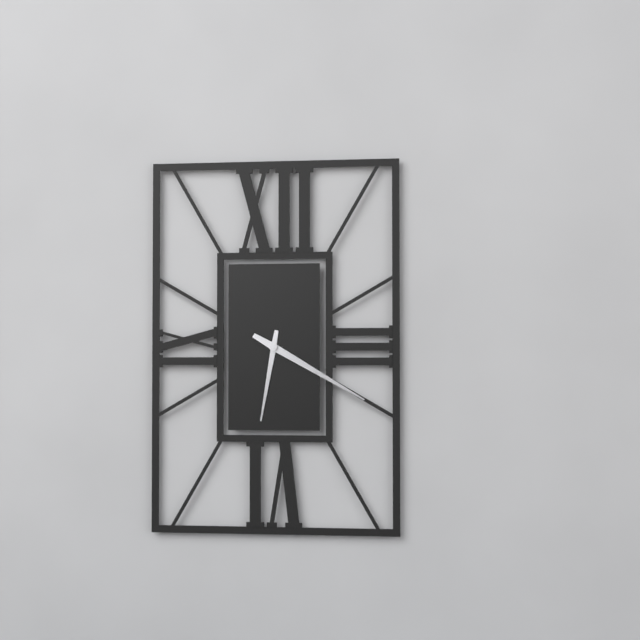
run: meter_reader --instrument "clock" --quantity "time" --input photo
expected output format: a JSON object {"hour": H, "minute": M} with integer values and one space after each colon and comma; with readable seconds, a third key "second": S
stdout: {"hour": 6, "minute": 20}
